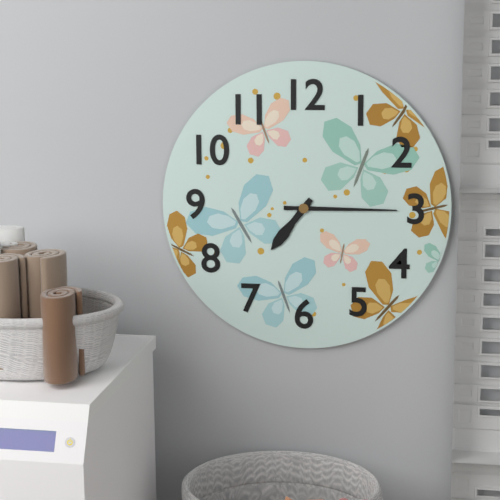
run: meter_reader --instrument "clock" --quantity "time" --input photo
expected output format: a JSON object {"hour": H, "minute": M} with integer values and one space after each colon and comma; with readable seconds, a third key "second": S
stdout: {"hour": 7, "minute": 15}
